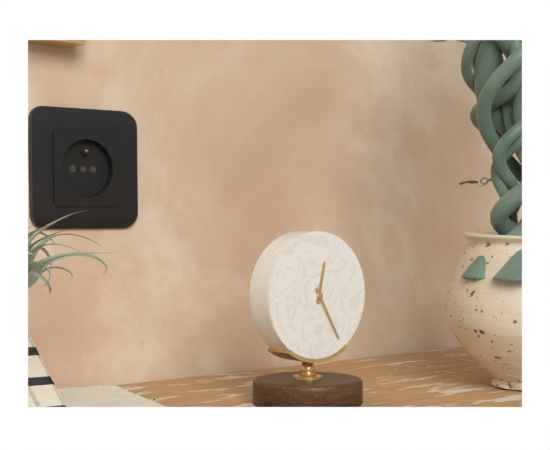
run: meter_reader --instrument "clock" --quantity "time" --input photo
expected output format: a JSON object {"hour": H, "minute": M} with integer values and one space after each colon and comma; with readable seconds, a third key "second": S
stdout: {"hour": 12, "minute": 25}
